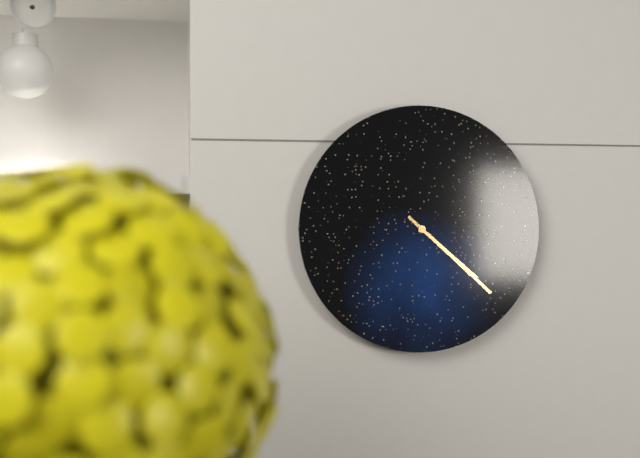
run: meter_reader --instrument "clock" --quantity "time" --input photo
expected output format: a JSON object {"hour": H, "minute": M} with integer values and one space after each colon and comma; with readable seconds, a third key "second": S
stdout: {"hour": 4, "minute": 22}
